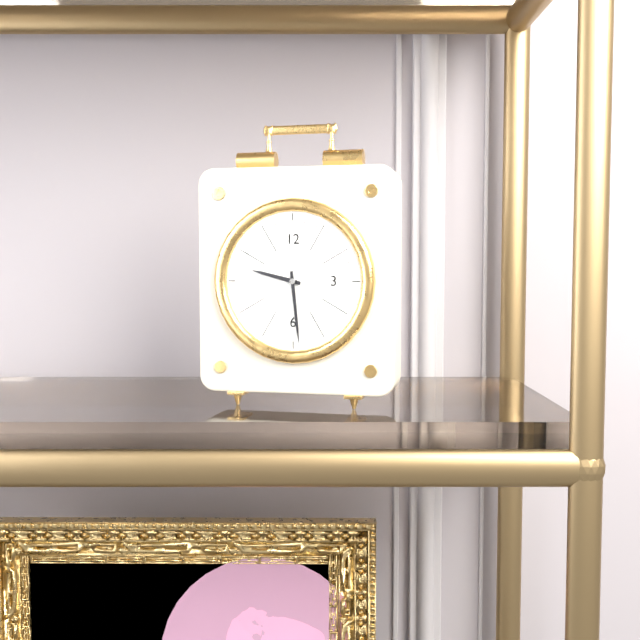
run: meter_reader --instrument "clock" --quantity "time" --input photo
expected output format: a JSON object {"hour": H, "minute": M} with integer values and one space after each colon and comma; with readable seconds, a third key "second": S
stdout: {"hour": 9, "minute": 29}
